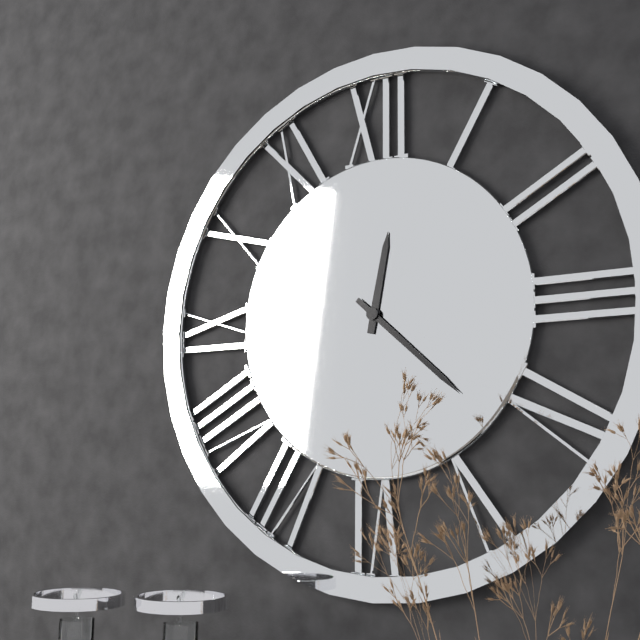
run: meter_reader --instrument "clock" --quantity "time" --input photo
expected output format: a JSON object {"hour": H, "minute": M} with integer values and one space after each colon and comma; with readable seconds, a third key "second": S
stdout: {"hour": 12, "minute": 22}
